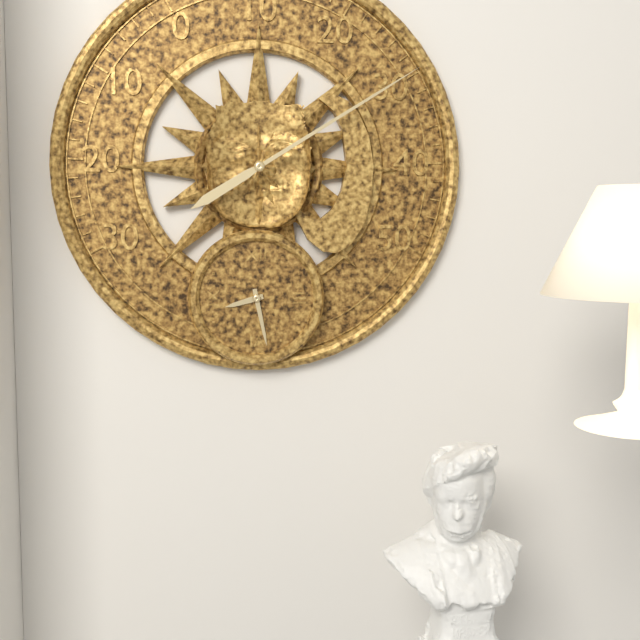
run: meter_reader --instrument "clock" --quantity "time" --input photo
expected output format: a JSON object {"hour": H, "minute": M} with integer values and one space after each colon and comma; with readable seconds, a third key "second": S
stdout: {"hour": 8, "minute": 28}
